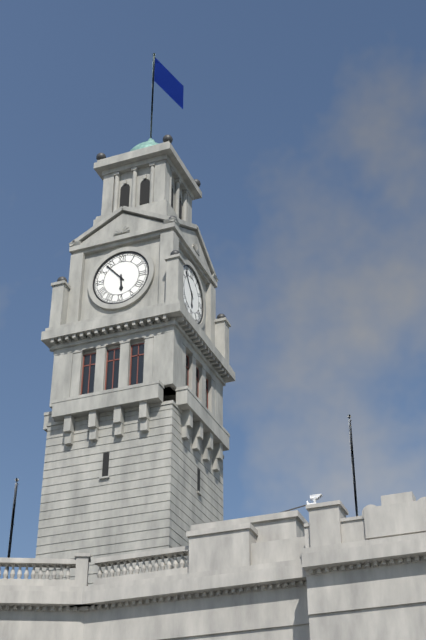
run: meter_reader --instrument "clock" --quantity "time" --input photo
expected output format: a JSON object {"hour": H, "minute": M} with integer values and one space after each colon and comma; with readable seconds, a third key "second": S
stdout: {"hour": 5, "minute": 53}
